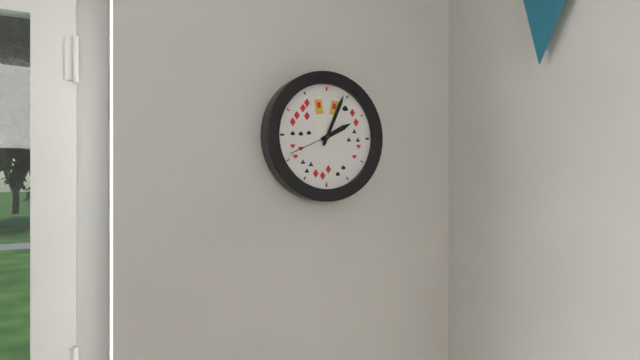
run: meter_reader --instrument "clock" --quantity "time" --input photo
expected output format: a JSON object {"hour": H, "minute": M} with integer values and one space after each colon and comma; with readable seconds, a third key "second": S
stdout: {"hour": 2, "minute": 4}
